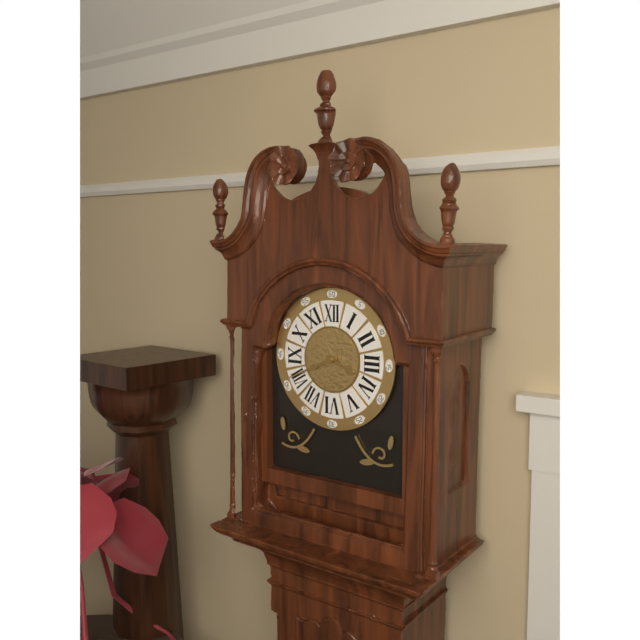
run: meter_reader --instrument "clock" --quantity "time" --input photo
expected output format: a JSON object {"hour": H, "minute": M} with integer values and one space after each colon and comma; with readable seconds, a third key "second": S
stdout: {"hour": 3, "minute": 41}
